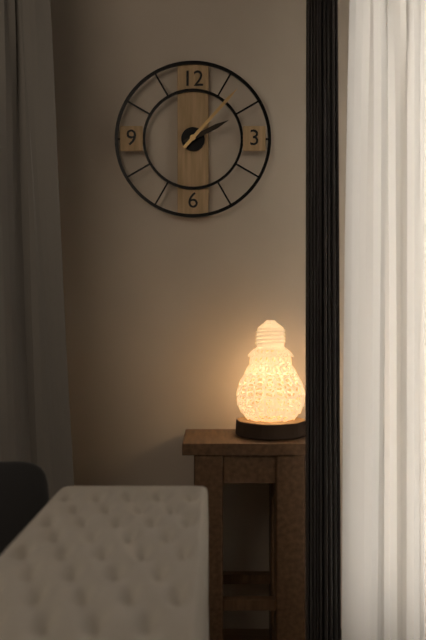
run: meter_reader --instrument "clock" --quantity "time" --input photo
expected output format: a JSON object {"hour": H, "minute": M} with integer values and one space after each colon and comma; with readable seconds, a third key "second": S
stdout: {"hour": 2, "minute": 7}
